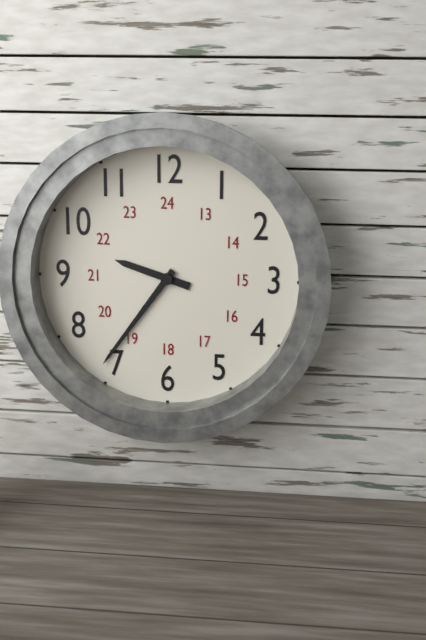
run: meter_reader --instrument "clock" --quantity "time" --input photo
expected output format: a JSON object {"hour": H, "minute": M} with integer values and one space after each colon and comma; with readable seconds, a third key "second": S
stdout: {"hour": 9, "minute": 36}
